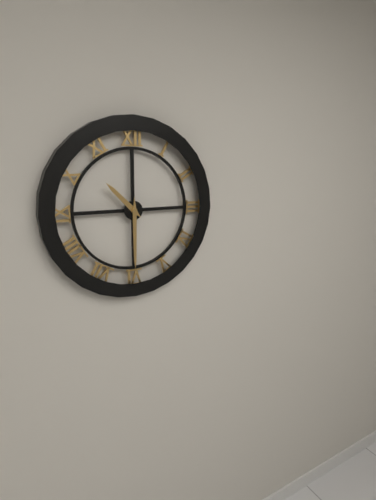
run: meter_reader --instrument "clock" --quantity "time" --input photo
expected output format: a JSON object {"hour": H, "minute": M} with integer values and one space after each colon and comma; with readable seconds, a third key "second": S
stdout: {"hour": 10, "minute": 30}
